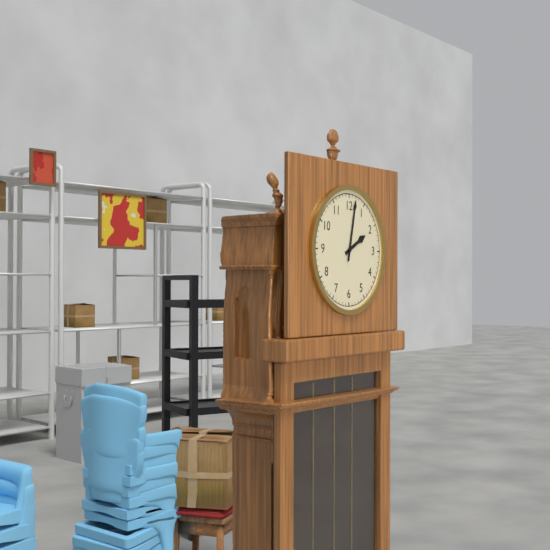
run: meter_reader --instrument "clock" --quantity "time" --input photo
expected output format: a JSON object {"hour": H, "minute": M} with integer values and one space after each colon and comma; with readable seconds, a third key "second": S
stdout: {"hour": 2, "minute": 2}
